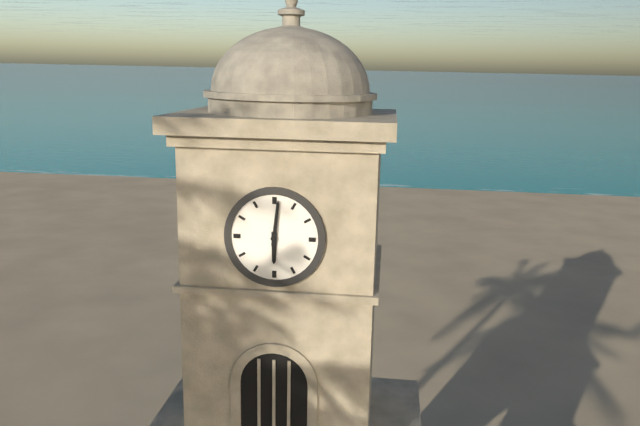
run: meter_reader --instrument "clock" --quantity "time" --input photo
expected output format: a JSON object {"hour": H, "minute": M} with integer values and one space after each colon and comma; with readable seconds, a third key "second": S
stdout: {"hour": 6, "minute": 1}
